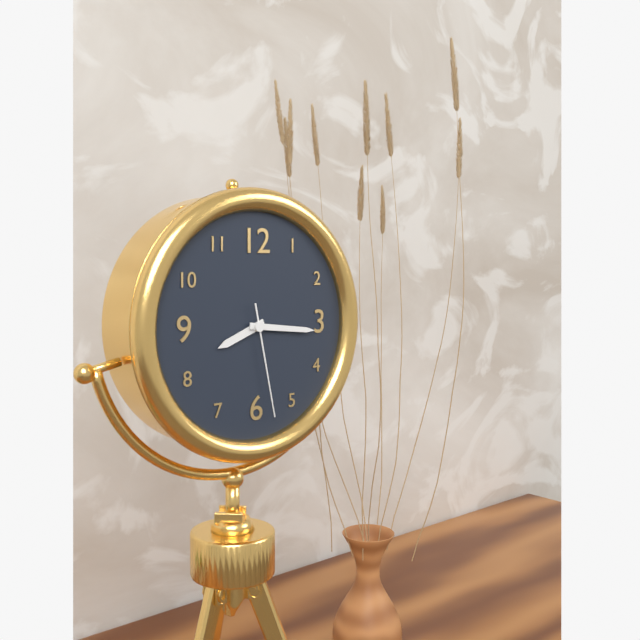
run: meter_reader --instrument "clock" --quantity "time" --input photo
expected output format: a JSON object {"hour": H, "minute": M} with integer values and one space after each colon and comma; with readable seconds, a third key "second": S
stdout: {"hour": 8, "minute": 16, "second": 28}
